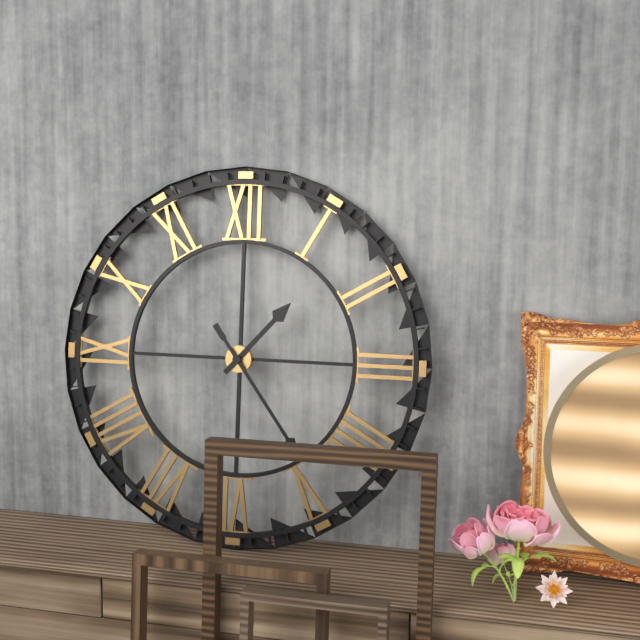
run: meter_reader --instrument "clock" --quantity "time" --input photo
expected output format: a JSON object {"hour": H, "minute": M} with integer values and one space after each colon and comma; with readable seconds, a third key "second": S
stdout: {"hour": 1, "minute": 24}
